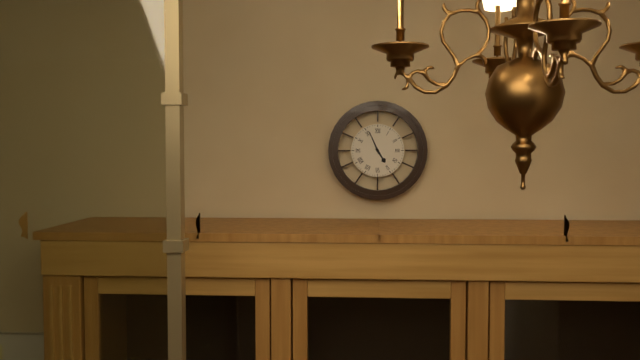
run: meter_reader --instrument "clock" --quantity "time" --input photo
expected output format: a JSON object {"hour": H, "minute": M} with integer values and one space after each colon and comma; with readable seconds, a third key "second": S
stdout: {"hour": 4, "minute": 56}
